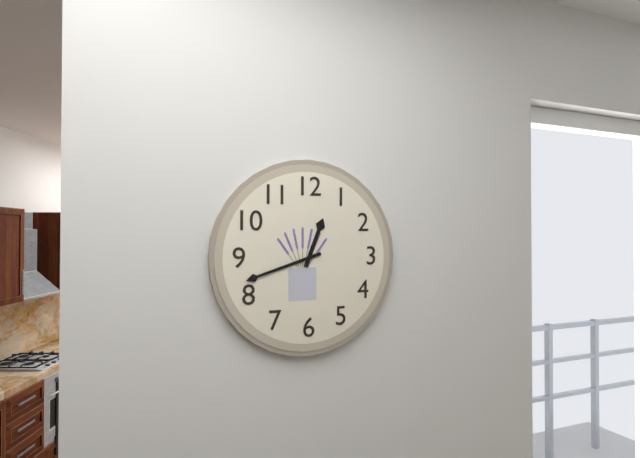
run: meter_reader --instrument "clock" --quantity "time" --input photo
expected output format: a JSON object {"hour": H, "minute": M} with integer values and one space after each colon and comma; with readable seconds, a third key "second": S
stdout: {"hour": 12, "minute": 42}
